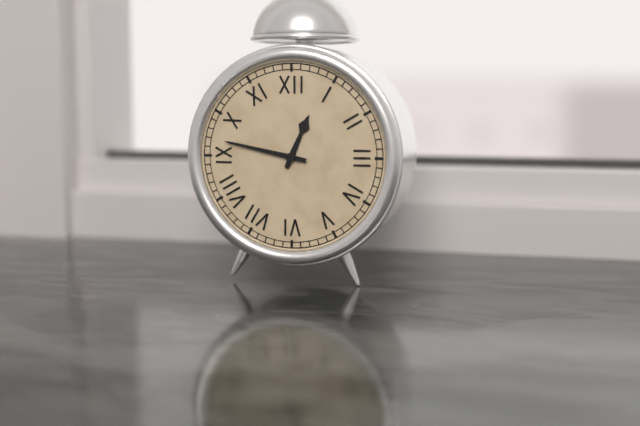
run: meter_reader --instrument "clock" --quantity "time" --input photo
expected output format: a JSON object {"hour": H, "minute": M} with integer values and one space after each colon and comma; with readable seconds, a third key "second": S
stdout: {"hour": 12, "minute": 47}
